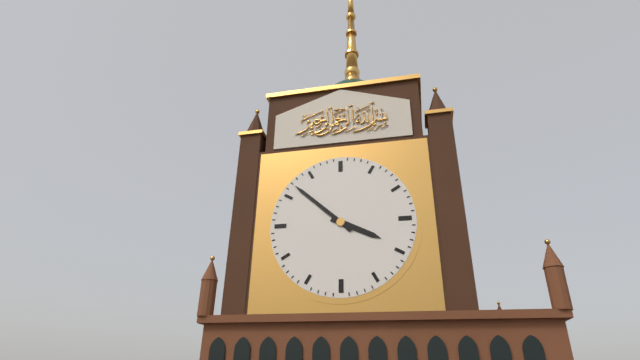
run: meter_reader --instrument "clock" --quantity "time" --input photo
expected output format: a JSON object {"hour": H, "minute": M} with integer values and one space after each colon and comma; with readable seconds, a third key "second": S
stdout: {"hour": 3, "minute": 52}
